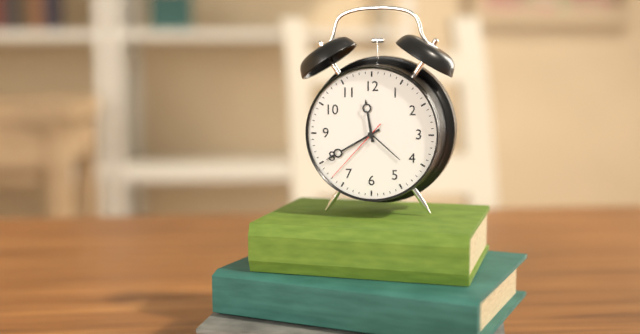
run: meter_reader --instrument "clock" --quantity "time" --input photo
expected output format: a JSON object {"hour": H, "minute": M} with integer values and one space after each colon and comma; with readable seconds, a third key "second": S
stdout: {"hour": 11, "minute": 40, "second": 37}
